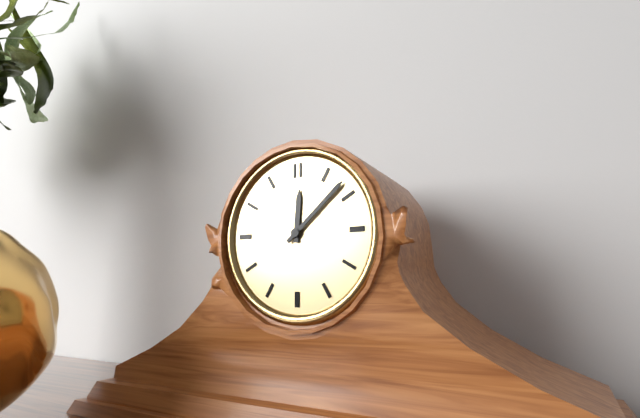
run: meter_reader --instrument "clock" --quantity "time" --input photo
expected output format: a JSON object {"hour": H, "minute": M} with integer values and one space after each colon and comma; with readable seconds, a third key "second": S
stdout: {"hour": 12, "minute": 8}
